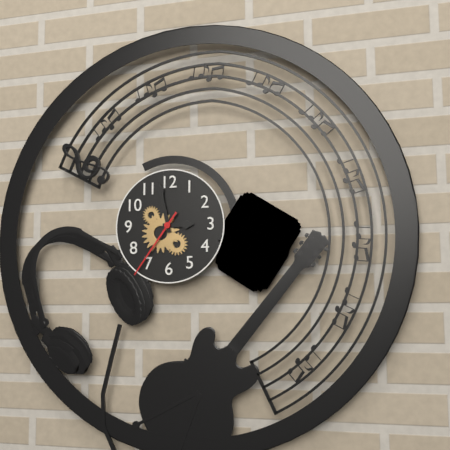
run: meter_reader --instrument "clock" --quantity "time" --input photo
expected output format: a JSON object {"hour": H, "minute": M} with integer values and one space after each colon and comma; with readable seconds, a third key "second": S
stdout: {"hour": 2, "minute": 58, "second": 36}
